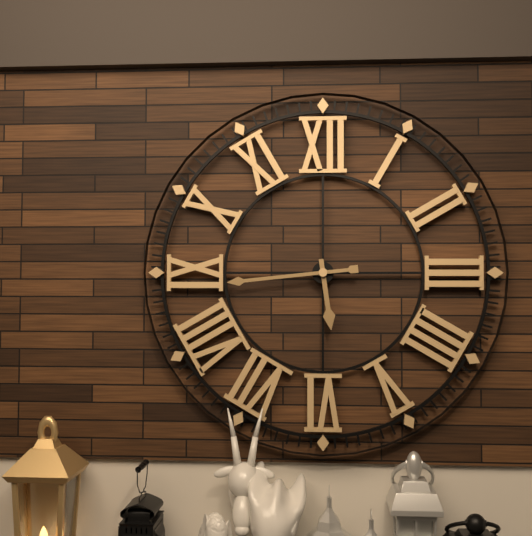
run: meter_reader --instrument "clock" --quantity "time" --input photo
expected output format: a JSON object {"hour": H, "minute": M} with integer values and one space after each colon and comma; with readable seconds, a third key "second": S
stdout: {"hour": 5, "minute": 44}
